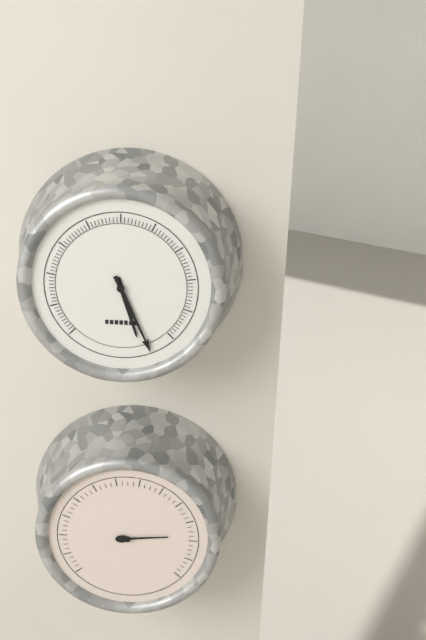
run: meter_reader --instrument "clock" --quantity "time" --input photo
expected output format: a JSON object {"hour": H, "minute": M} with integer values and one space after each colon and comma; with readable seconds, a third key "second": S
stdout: {"hour": 5, "minute": 26}
